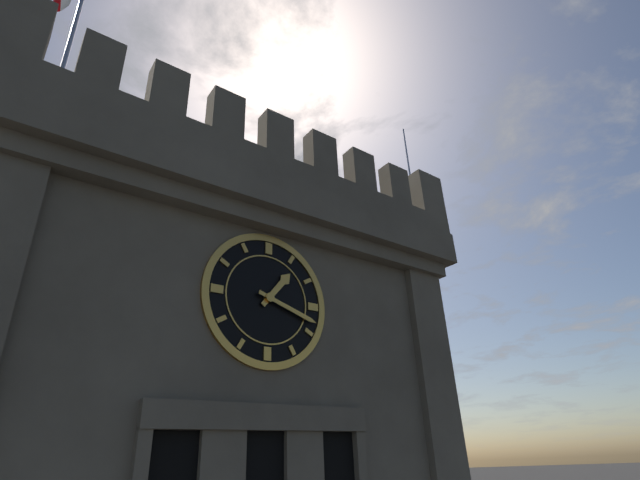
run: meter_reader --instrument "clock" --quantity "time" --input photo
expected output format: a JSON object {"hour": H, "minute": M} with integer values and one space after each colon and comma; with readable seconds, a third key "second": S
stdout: {"hour": 1, "minute": 18}
